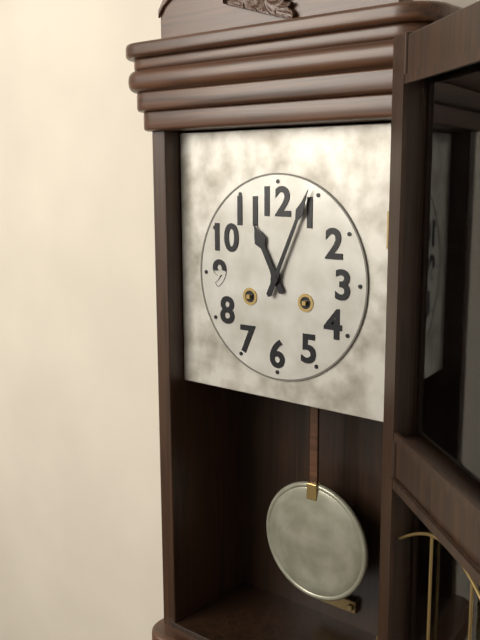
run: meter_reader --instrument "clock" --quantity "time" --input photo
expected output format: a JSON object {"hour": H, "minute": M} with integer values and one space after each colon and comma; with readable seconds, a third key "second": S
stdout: {"hour": 11, "minute": 4}
